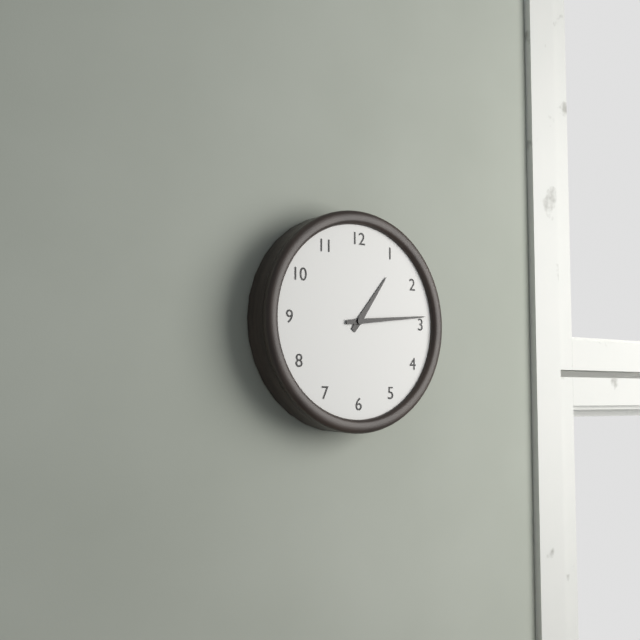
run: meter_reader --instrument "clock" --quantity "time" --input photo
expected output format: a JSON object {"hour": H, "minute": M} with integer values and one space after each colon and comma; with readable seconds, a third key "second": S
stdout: {"hour": 1, "minute": 14}
